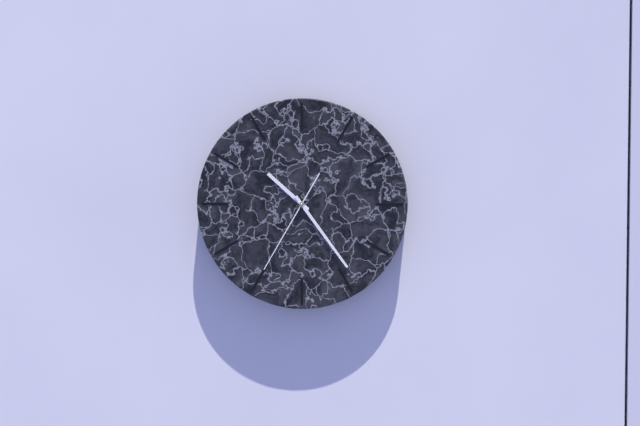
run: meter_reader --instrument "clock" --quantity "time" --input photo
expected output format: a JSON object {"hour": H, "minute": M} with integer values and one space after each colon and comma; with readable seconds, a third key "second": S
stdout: {"hour": 10, "minute": 24, "second": 35}
